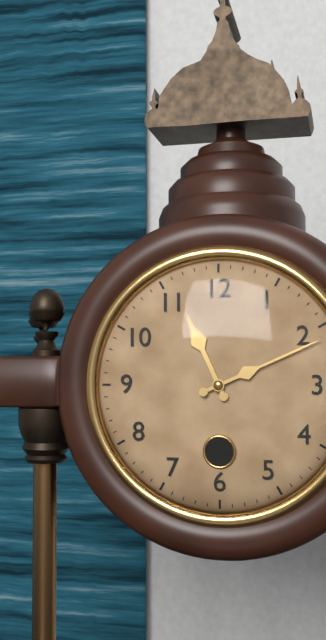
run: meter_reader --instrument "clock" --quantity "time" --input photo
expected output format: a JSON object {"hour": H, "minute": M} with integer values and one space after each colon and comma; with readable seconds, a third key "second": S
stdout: {"hour": 11, "minute": 11}
